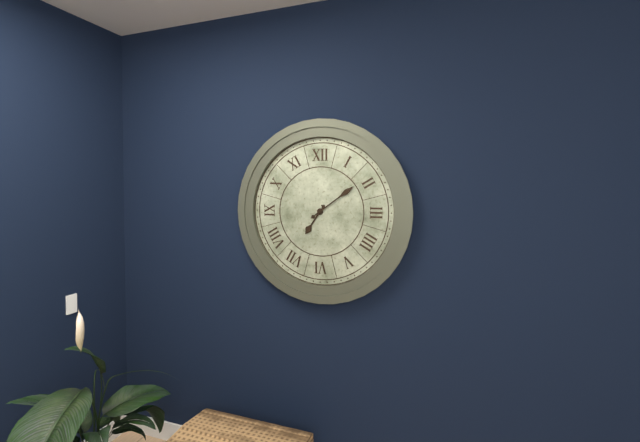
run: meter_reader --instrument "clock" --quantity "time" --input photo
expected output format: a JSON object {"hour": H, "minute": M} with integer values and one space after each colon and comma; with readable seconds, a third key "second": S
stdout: {"hour": 7, "minute": 9}
